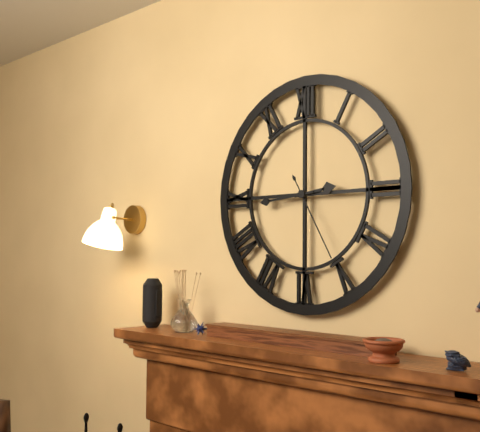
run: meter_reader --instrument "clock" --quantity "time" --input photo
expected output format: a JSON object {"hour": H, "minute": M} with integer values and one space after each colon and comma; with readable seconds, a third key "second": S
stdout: {"hour": 2, "minute": 44, "second": 25}
